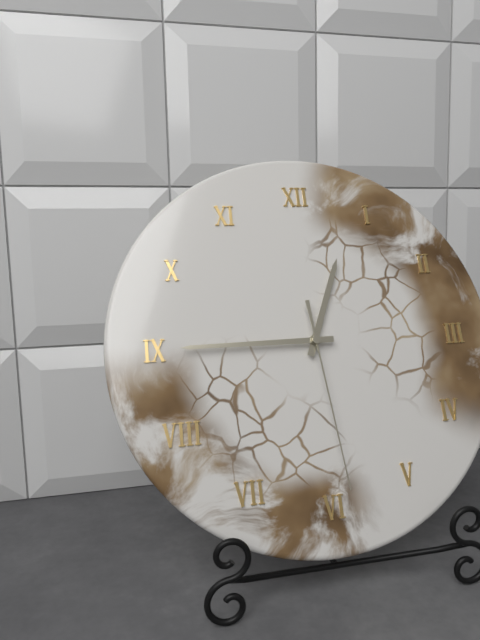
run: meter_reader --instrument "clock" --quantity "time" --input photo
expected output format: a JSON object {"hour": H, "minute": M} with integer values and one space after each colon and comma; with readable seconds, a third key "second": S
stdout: {"hour": 12, "minute": 45, "second": 29}
